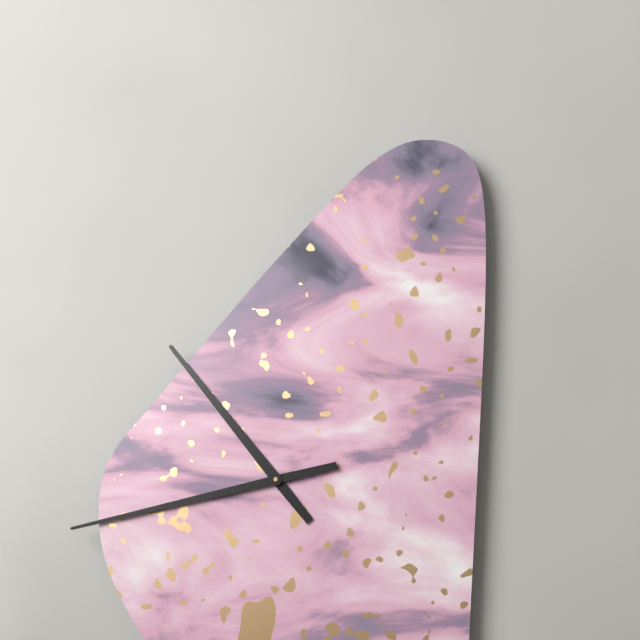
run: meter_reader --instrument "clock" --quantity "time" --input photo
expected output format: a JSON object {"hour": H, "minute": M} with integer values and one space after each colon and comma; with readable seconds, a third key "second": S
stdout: {"hour": 10, "minute": 43}
